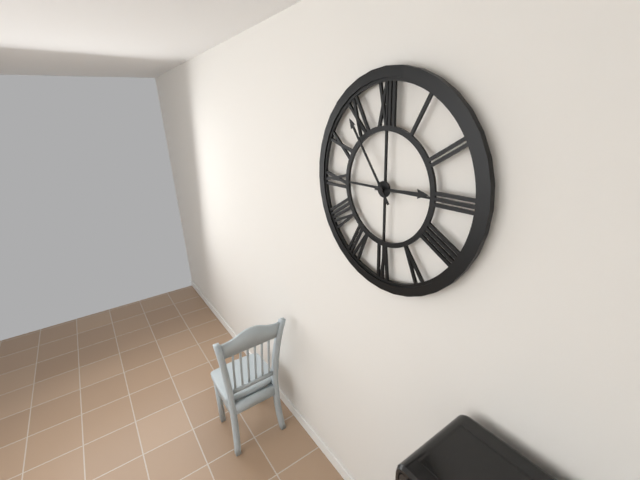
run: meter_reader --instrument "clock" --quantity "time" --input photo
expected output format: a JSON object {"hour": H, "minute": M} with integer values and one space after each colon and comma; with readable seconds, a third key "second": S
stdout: {"hour": 2, "minute": 54}
